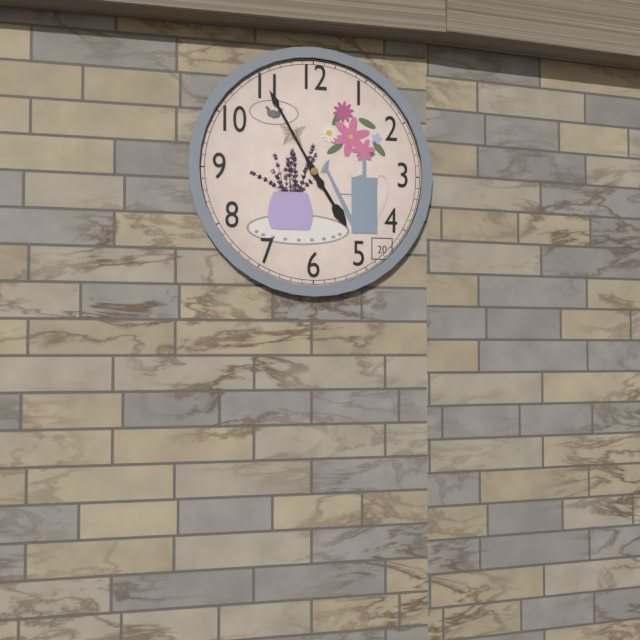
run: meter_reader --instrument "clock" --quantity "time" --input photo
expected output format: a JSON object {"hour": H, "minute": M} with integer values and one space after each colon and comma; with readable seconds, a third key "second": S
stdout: {"hour": 4, "minute": 55}
